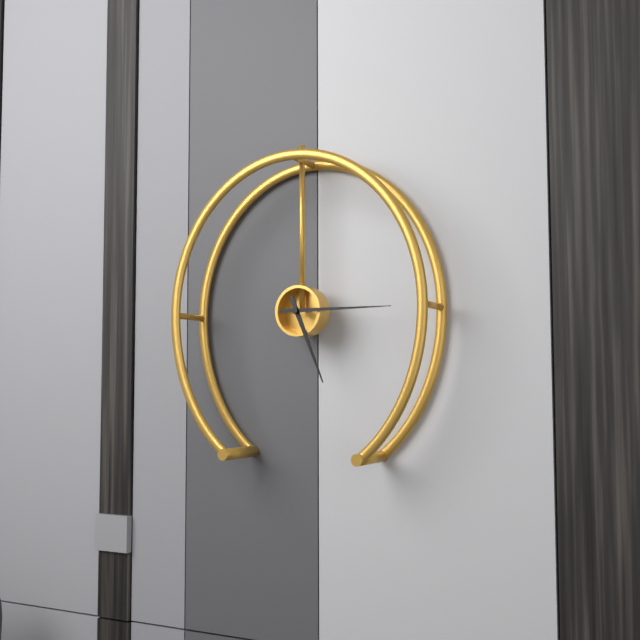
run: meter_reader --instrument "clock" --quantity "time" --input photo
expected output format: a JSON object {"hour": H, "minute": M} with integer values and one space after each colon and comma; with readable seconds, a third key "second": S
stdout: {"hour": 5, "minute": 15}
